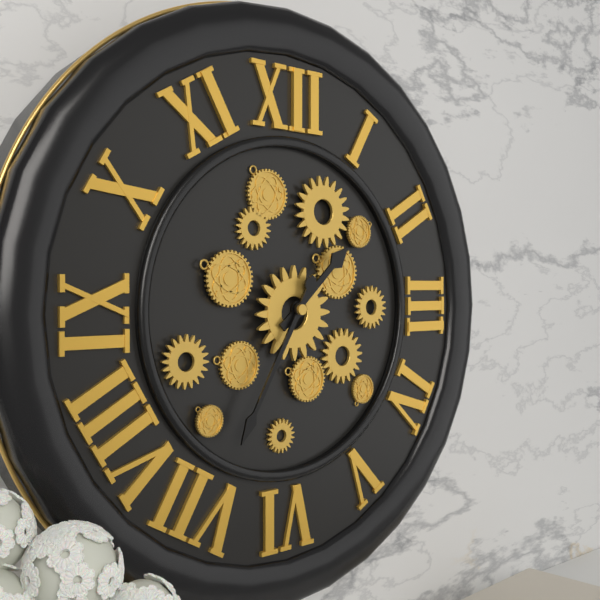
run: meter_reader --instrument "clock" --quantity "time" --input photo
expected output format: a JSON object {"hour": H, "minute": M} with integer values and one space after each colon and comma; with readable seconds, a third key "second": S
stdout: {"hour": 1, "minute": 35}
